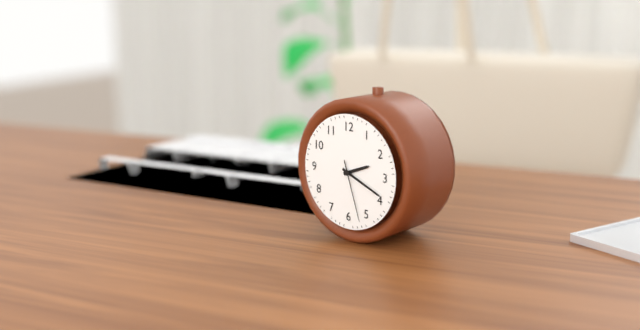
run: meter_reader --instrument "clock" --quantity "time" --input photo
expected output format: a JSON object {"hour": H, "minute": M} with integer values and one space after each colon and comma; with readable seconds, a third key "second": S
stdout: {"hour": 2, "minute": 19, "second": 27}
